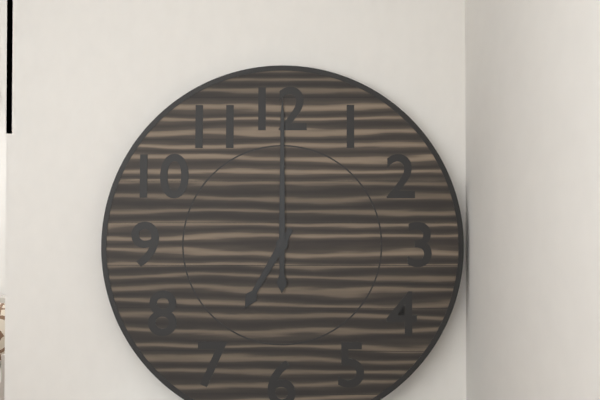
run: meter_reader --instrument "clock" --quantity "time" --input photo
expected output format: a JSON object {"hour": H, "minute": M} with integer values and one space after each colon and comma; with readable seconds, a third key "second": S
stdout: {"hour": 7, "minute": 0}
